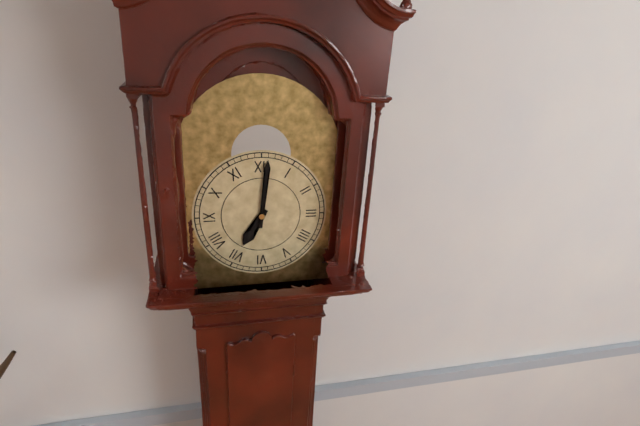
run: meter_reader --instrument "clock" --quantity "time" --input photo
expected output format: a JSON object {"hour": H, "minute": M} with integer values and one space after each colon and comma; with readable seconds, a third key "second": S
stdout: {"hour": 7, "minute": 1}
